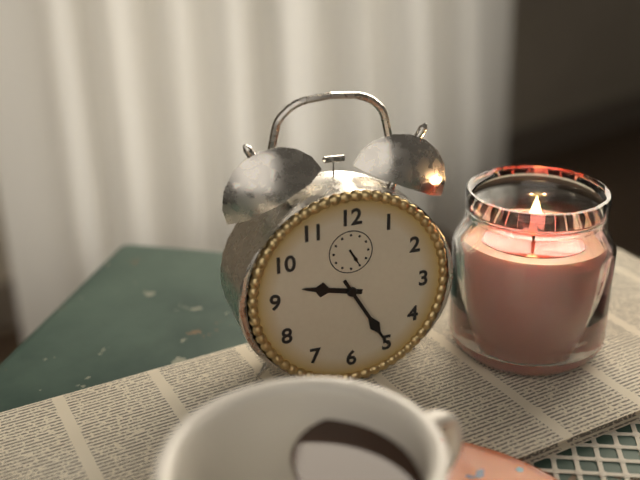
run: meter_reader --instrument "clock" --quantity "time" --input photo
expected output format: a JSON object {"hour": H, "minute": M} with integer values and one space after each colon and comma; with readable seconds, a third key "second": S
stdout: {"hour": 9, "minute": 25}
